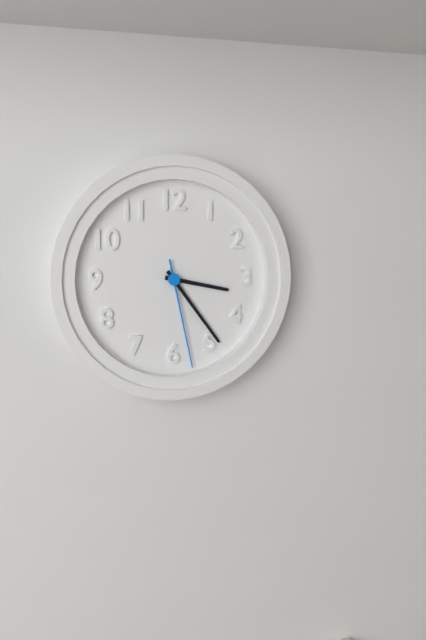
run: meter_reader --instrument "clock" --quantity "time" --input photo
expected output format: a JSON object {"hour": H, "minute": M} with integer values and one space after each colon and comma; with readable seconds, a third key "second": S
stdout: {"hour": 3, "minute": 24, "second": 28}
